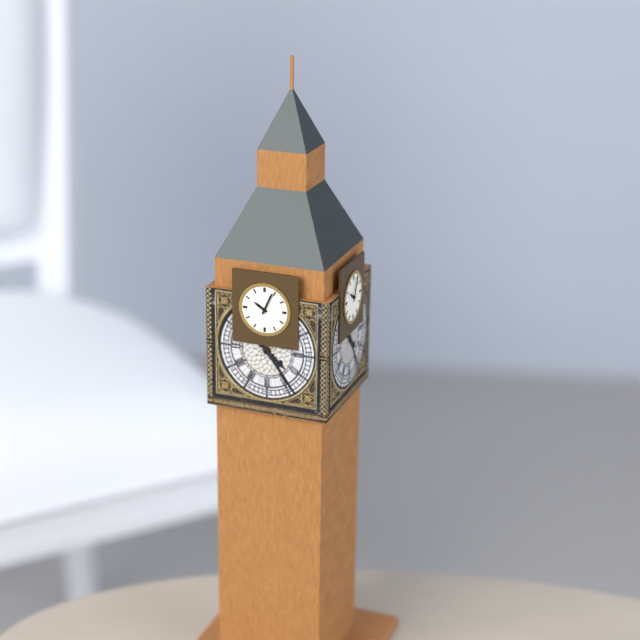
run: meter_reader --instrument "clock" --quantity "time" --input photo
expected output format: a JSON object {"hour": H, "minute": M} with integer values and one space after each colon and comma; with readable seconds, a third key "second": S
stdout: {"hour": 10, "minute": 4}
